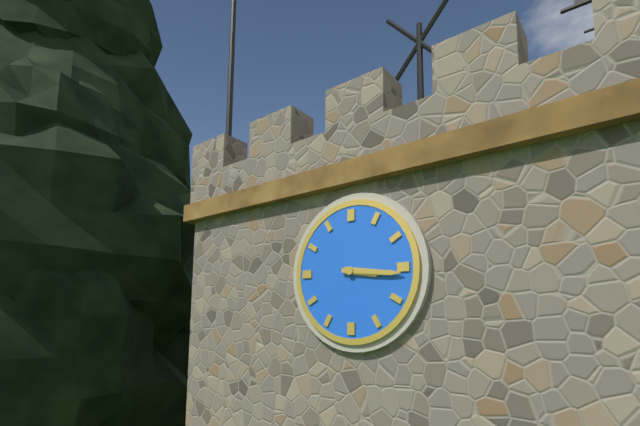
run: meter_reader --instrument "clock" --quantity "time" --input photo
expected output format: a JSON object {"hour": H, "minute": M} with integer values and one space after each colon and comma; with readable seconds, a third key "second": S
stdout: {"hour": 3, "minute": 16}
